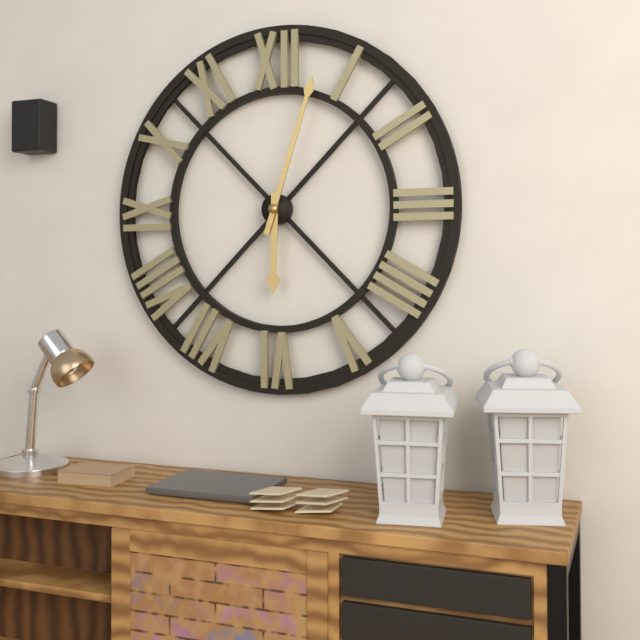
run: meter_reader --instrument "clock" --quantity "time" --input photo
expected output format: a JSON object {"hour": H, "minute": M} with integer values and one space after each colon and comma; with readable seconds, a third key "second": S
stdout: {"hour": 6, "minute": 3}
